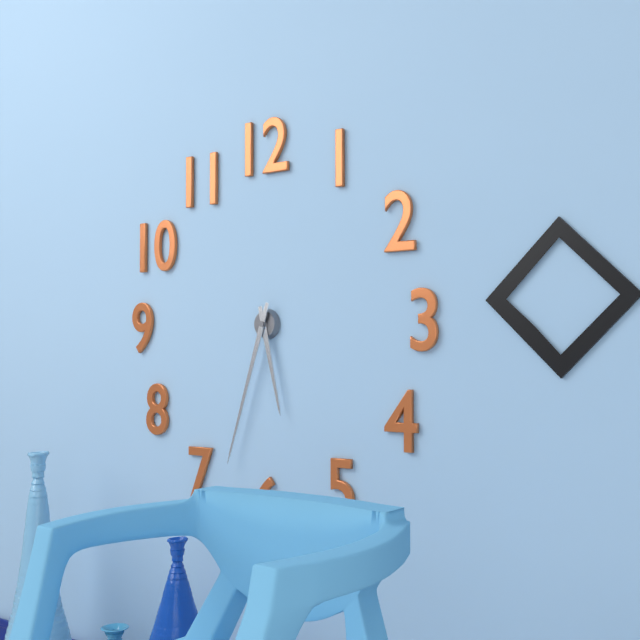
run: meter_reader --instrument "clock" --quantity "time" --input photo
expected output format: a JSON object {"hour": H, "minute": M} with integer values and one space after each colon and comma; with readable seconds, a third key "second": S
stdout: {"hour": 5, "minute": 33}
